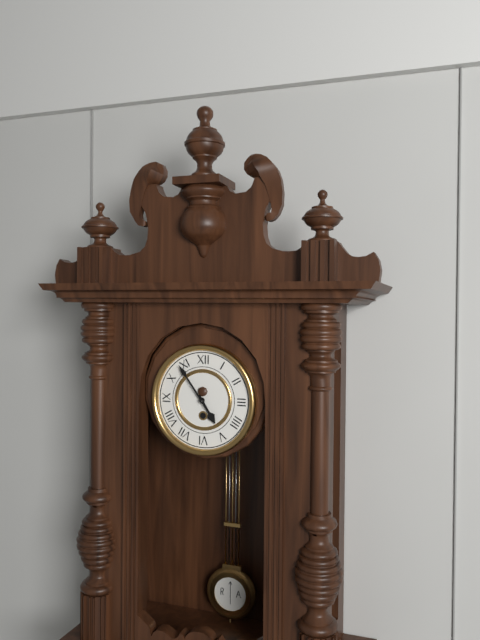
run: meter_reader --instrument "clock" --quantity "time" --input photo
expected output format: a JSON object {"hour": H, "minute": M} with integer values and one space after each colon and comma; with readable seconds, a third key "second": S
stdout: {"hour": 4, "minute": 54}
